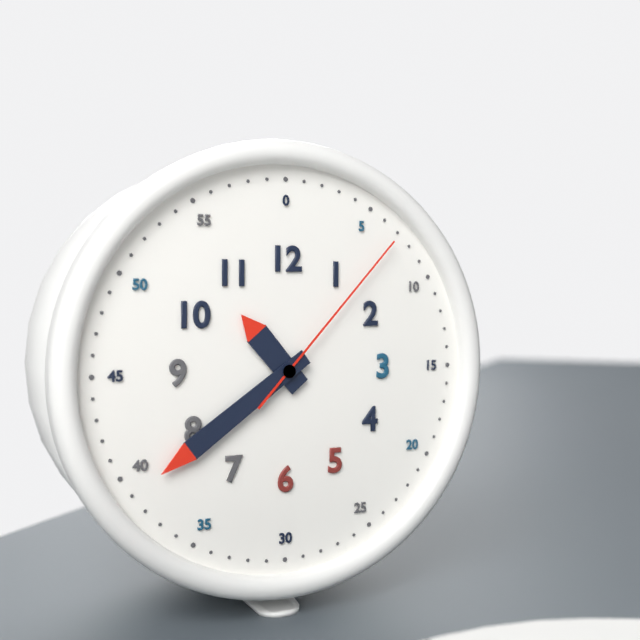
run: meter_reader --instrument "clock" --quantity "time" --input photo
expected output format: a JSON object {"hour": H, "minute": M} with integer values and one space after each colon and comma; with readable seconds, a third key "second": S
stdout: {"hour": 10, "minute": 39, "second": 7}
